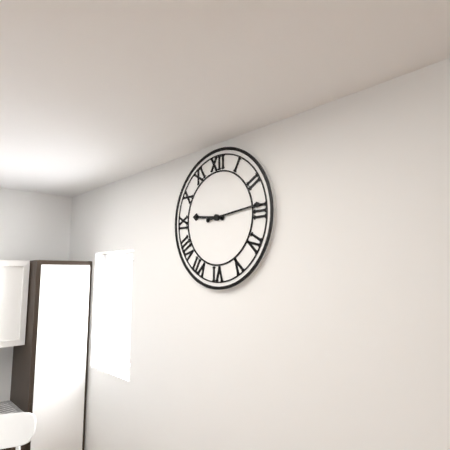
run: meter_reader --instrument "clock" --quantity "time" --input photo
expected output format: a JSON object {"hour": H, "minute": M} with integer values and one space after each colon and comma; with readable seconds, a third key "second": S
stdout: {"hour": 9, "minute": 14}
